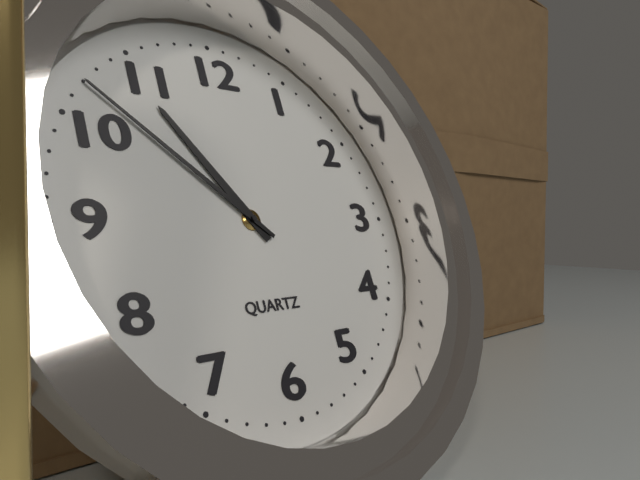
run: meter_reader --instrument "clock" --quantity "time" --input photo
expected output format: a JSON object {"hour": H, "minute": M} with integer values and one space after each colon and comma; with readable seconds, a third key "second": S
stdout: {"hour": 10, "minute": 52}
